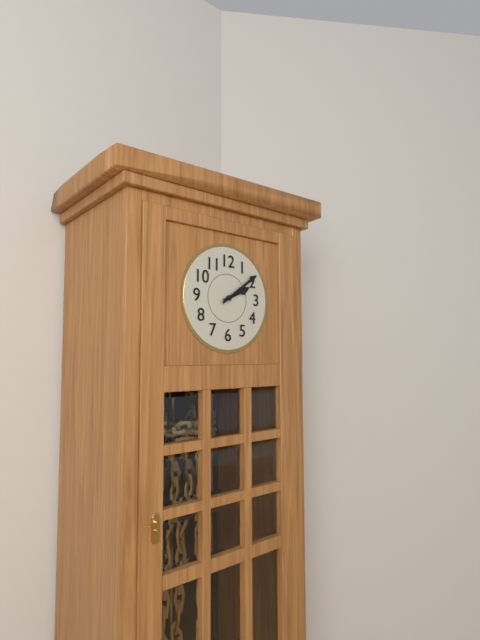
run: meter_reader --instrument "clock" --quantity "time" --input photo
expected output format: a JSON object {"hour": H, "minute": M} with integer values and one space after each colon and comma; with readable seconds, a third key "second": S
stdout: {"hour": 2, "minute": 9}
